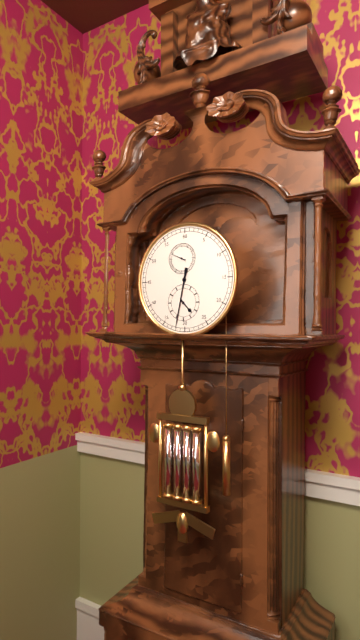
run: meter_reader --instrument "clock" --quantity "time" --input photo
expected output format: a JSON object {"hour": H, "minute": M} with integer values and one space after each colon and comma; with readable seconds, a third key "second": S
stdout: {"hour": 4, "minute": 32}
